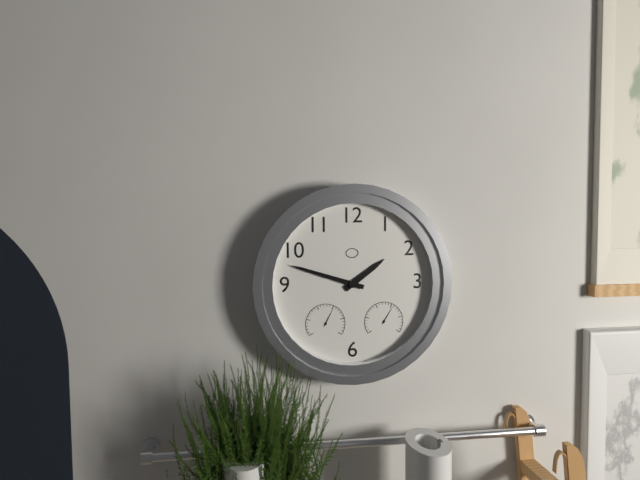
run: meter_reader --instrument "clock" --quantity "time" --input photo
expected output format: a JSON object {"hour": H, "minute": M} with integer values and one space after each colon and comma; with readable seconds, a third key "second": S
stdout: {"hour": 1, "minute": 48}
